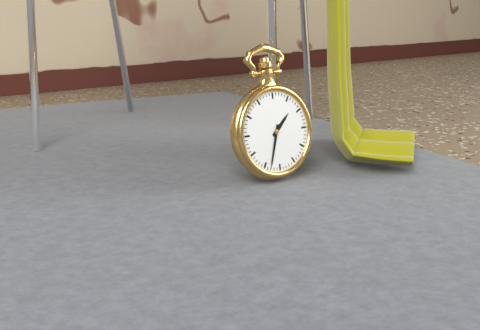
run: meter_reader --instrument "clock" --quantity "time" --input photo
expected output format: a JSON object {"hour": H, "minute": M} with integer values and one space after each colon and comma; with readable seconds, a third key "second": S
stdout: {"hour": 1, "minute": 33}
